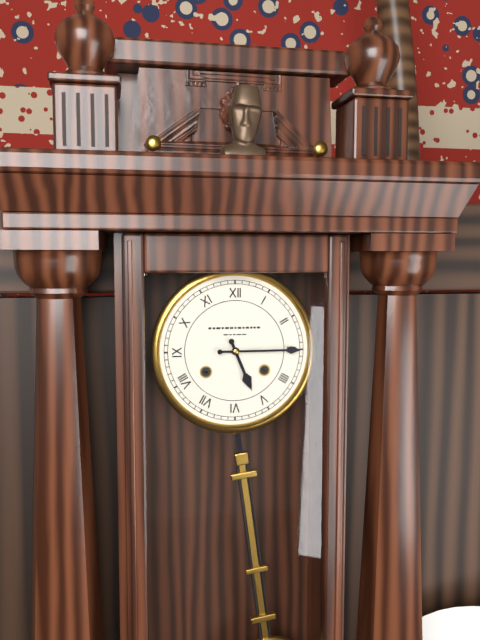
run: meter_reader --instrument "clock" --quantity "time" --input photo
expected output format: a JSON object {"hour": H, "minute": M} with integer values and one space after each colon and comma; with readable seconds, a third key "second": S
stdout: {"hour": 5, "minute": 15}
